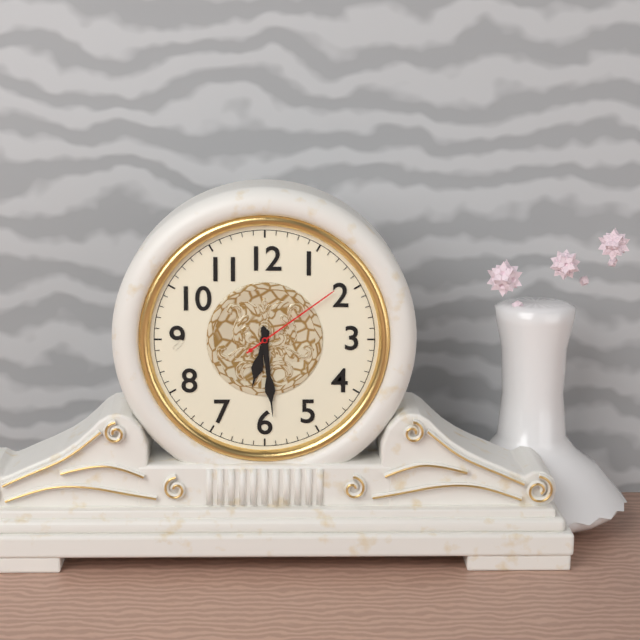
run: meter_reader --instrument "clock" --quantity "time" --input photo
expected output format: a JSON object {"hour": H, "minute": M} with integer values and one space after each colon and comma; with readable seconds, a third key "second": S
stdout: {"hour": 6, "minute": 29, "second": 9}
